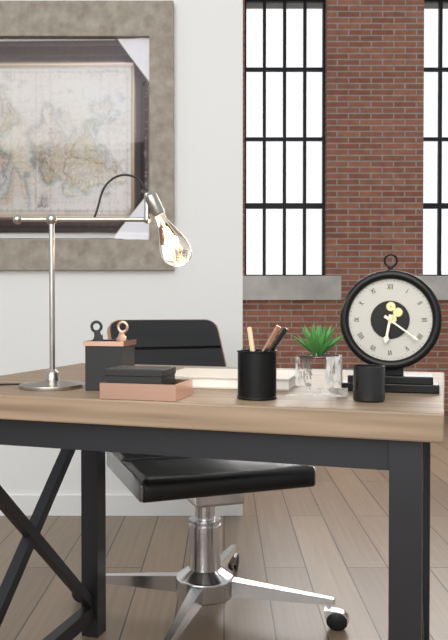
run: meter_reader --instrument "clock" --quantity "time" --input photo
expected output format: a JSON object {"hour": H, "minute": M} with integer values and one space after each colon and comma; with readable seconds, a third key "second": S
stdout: {"hour": 6, "minute": 21}
